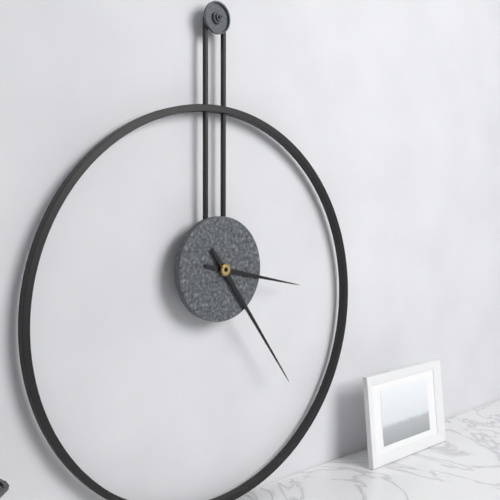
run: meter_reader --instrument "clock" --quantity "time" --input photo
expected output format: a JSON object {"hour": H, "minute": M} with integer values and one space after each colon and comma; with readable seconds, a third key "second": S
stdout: {"hour": 3, "minute": 24}
